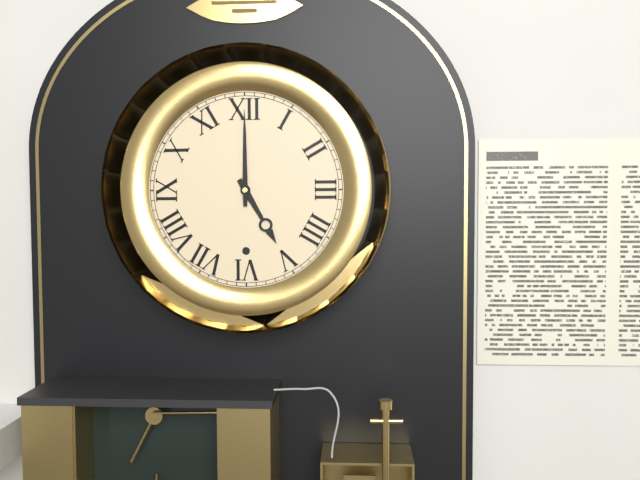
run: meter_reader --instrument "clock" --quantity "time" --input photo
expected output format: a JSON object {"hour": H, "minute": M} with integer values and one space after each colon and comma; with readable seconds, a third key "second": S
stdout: {"hour": 5, "minute": 0}
